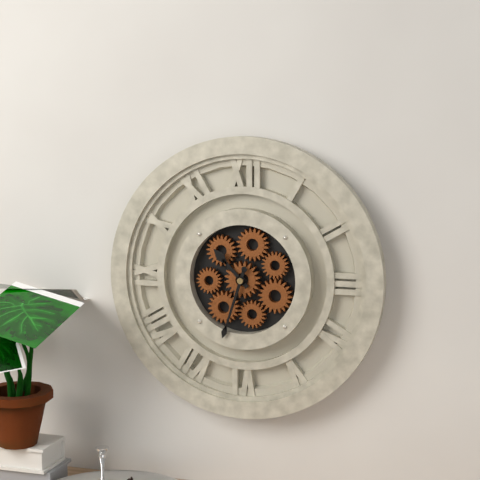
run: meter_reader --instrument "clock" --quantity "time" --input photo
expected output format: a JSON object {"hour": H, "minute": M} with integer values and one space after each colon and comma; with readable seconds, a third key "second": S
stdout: {"hour": 10, "minute": 33}
